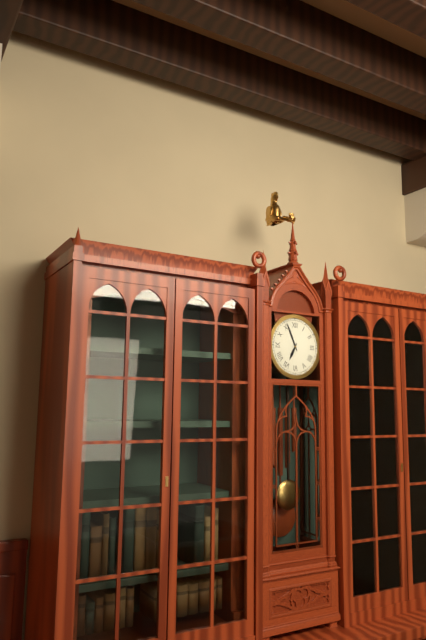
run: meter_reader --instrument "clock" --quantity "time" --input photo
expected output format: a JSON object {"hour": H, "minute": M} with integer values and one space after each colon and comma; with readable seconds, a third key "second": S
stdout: {"hour": 6, "minute": 56}
